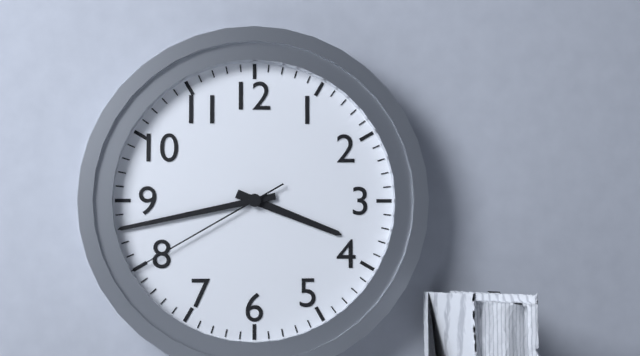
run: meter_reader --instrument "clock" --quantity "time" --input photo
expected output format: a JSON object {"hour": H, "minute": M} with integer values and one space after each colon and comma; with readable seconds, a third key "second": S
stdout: {"hour": 3, "minute": 43, "second": 40}
